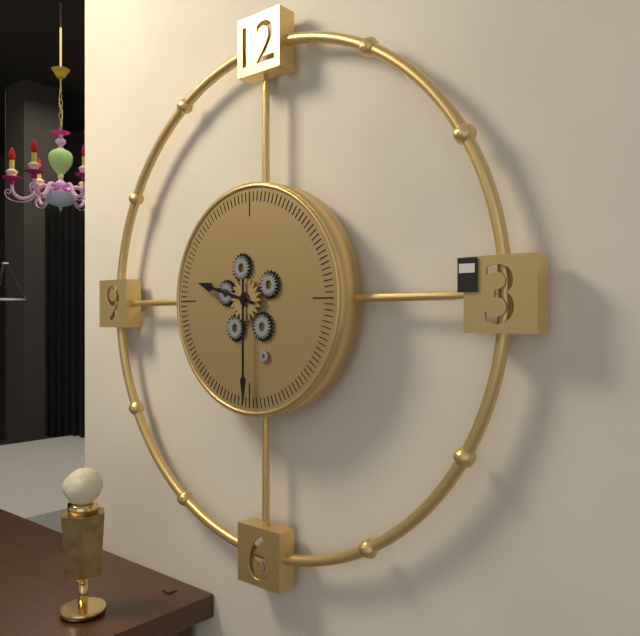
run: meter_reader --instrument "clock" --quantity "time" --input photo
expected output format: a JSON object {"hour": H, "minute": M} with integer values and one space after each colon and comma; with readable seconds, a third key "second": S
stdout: {"hour": 9, "minute": 30}
